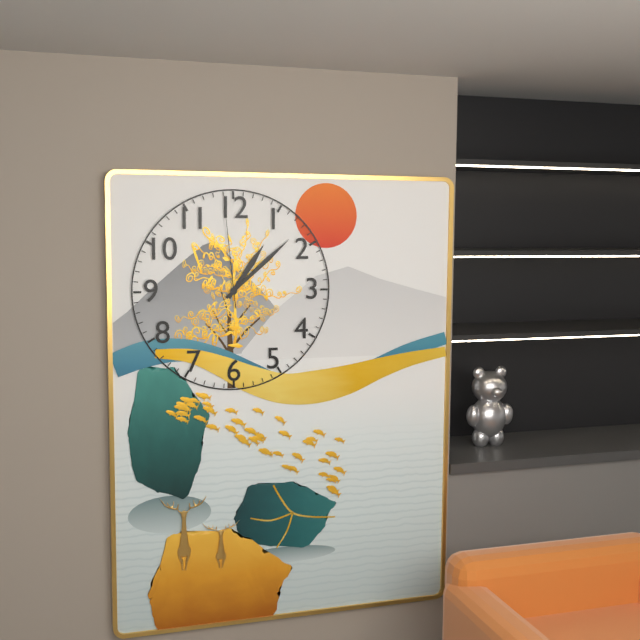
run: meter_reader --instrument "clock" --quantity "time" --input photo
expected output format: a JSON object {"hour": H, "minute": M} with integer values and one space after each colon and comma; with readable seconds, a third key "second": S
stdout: {"hour": 1, "minute": 8, "second": 59}
